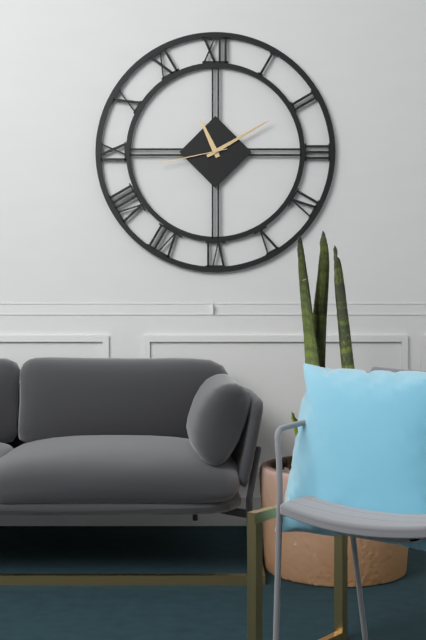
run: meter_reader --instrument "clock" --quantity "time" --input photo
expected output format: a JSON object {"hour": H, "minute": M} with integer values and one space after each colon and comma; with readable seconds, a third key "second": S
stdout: {"hour": 11, "minute": 10, "second": 43}
